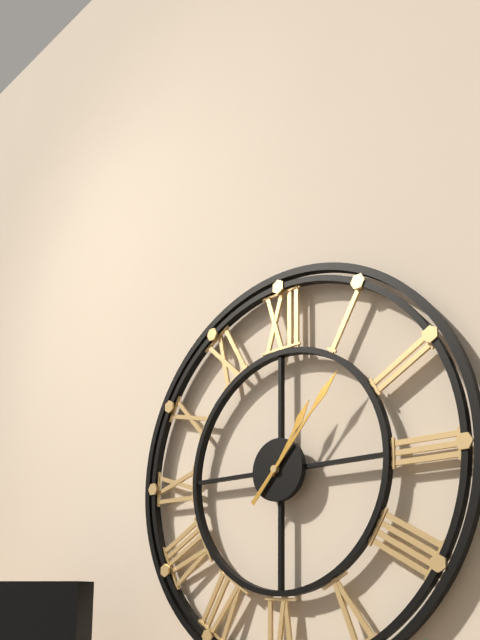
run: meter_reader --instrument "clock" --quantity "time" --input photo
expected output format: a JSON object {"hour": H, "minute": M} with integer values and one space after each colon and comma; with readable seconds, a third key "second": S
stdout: {"hour": 1, "minute": 7}
